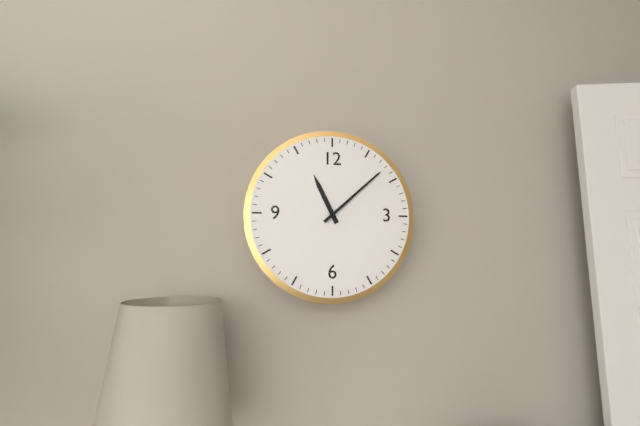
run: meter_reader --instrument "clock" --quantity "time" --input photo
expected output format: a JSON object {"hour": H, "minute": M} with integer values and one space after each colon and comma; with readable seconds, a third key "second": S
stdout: {"hour": 11, "minute": 8}
